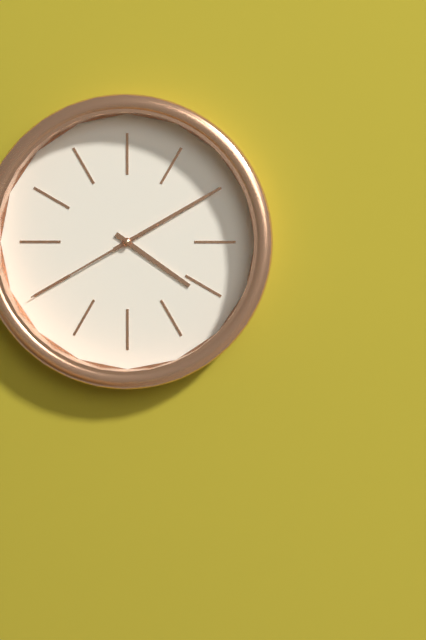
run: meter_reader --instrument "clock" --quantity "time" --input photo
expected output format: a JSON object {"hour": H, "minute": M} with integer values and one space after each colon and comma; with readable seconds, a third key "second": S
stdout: {"hour": 4, "minute": 10, "second": 40}
